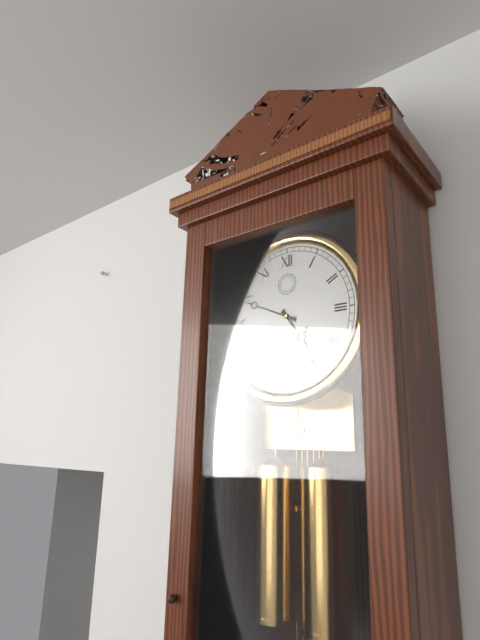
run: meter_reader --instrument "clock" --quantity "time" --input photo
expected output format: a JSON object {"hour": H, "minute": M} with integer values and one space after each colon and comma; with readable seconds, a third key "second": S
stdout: {"hour": 4, "minute": 49}
